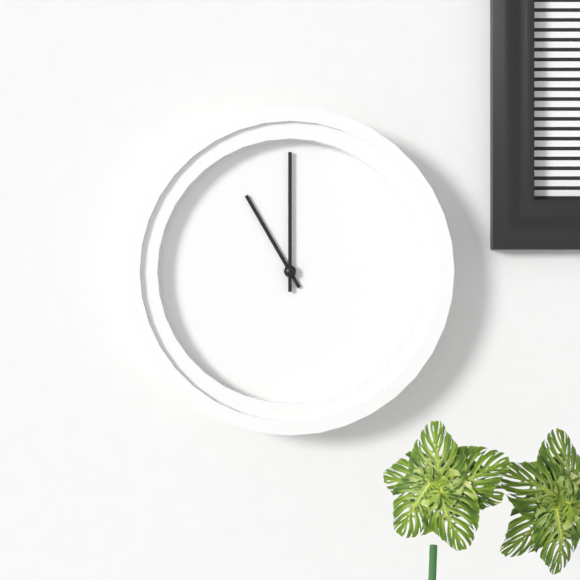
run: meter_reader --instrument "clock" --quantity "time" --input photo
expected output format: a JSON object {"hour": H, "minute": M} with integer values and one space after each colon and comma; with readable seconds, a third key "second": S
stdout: {"hour": 11, "minute": 0}
